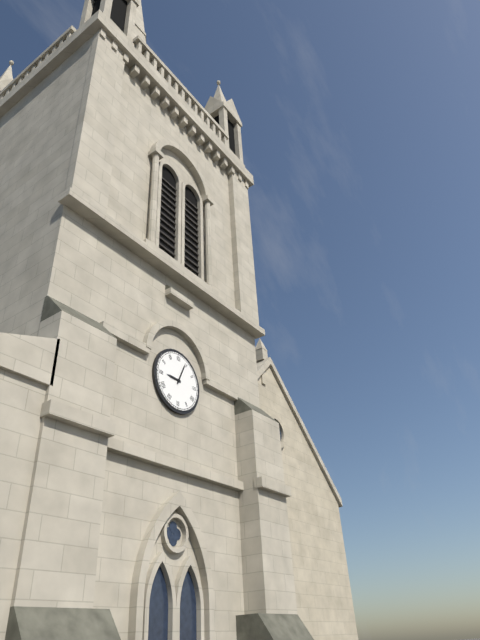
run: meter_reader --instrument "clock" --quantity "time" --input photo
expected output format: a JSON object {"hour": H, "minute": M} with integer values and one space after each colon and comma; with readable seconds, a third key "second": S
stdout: {"hour": 9, "minute": 4}
